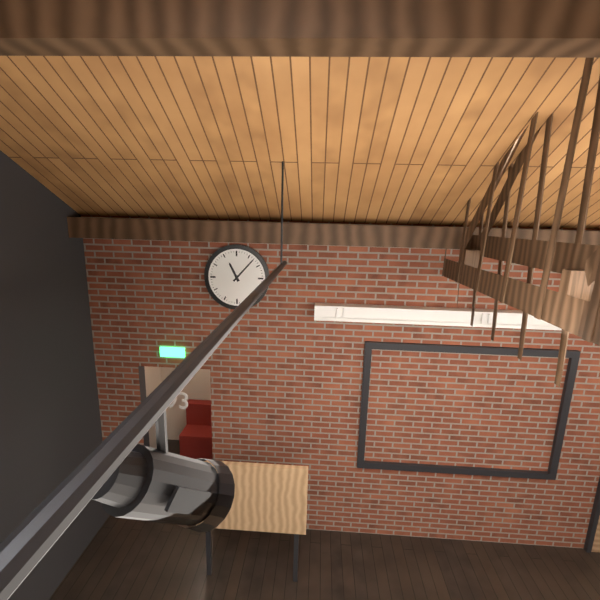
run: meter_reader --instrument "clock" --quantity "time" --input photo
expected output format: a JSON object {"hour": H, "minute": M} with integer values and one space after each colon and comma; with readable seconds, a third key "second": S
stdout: {"hour": 11, "minute": 7}
